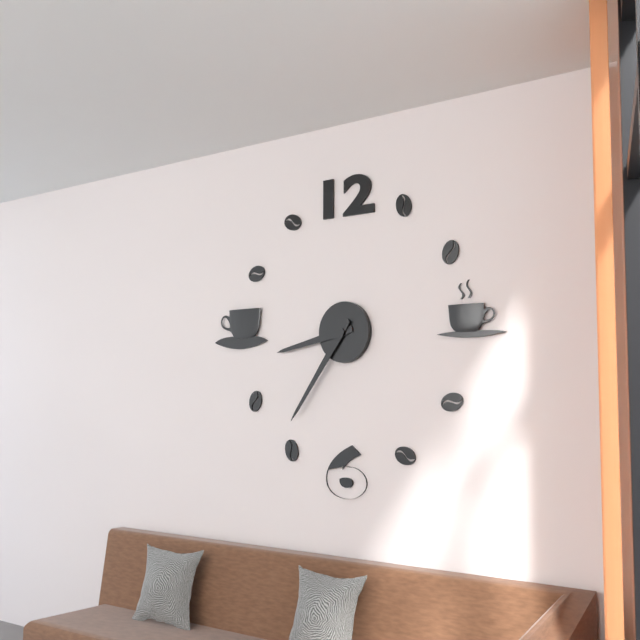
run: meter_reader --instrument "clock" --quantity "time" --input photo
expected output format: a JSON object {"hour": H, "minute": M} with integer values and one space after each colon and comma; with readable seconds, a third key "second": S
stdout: {"hour": 8, "minute": 36}
